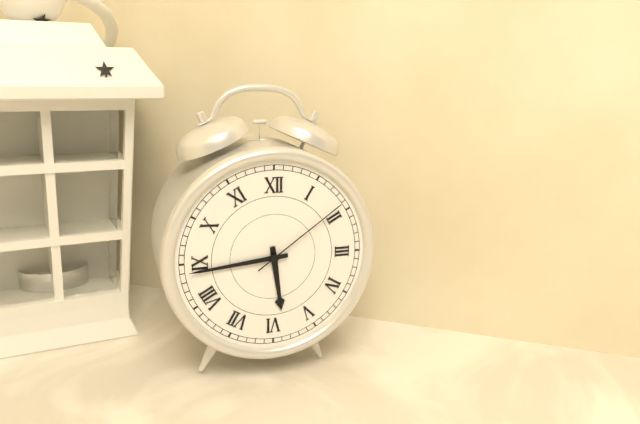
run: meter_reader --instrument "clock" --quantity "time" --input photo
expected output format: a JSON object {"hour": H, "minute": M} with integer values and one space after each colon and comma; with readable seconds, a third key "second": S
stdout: {"hour": 5, "minute": 44, "second": 9}
